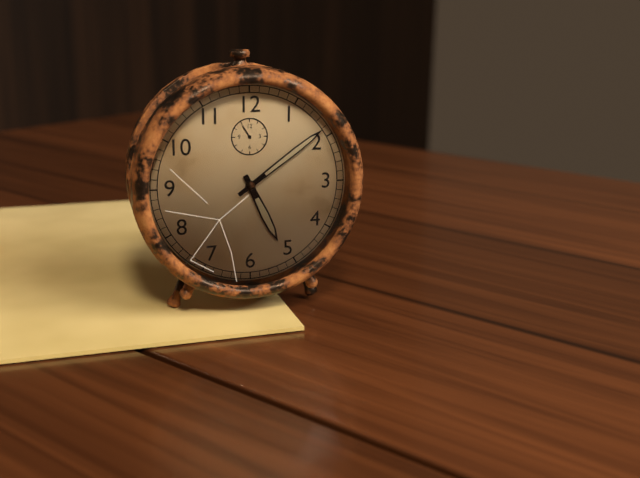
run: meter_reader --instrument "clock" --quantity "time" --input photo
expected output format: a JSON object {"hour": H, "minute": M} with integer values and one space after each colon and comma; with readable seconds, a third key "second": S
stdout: {"hour": 5, "minute": 9}
